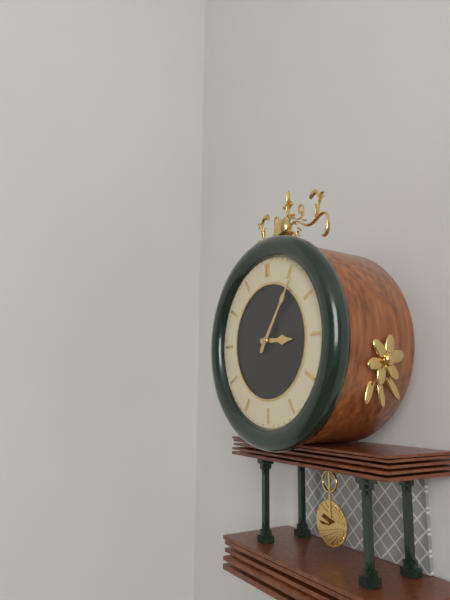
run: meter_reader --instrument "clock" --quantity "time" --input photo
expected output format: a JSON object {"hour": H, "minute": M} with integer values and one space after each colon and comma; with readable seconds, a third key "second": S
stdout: {"hour": 3, "minute": 6}
